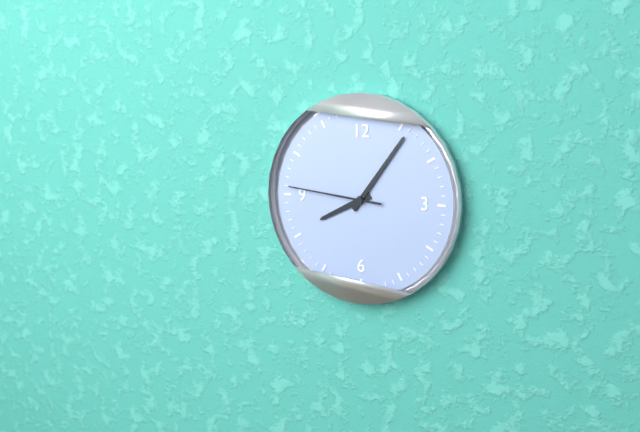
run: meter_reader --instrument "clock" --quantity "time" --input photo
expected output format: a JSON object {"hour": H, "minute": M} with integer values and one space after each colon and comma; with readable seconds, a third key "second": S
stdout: {"hour": 8, "minute": 6, "second": 46}
